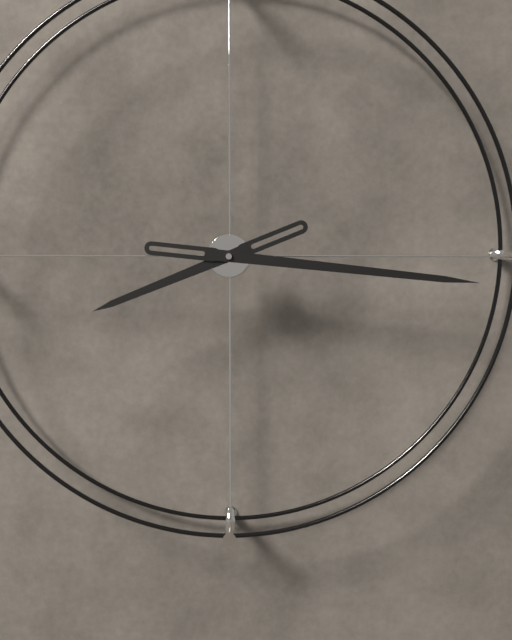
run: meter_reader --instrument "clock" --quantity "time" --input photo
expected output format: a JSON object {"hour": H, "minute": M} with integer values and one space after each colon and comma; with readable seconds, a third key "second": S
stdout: {"hour": 8, "minute": 16}
